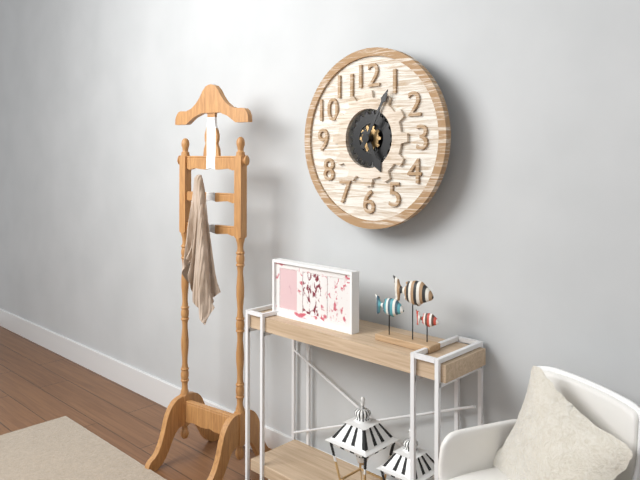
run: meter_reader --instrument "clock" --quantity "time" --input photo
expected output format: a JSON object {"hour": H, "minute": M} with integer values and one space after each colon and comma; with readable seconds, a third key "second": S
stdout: {"hour": 5, "minute": 5}
